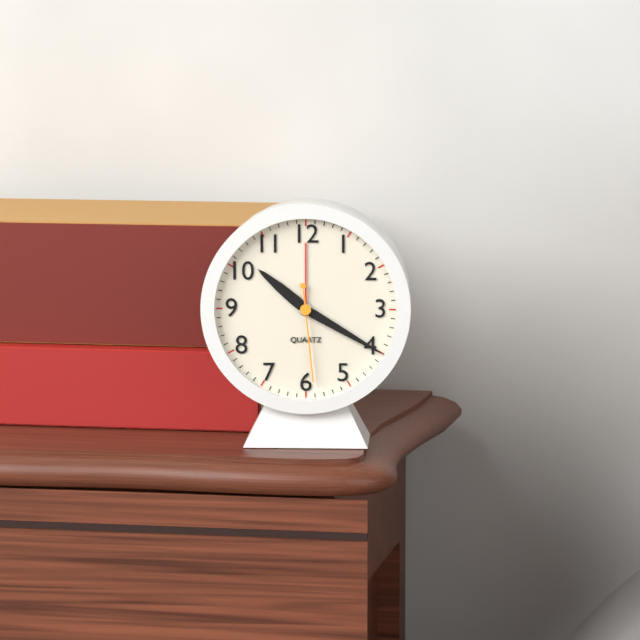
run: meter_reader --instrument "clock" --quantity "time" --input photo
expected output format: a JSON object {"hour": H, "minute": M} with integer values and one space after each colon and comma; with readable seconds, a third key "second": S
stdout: {"hour": 10, "minute": 20, "second": 29}
